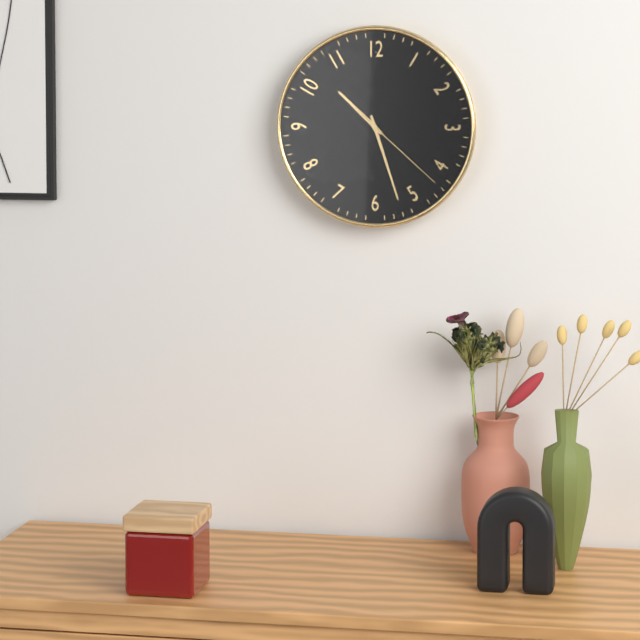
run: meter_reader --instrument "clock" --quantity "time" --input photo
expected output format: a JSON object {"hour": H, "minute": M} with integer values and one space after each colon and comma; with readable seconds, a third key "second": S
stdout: {"hour": 10, "minute": 27, "second": 22}
